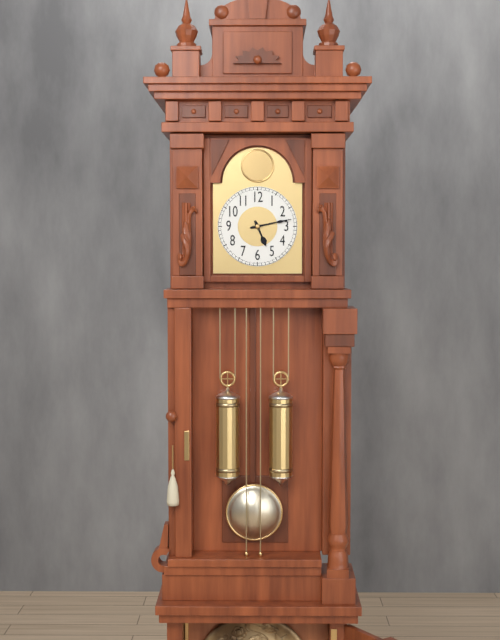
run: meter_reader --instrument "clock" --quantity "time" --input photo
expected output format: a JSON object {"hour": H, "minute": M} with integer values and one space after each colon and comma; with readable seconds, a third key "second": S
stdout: {"hour": 5, "minute": 13}
